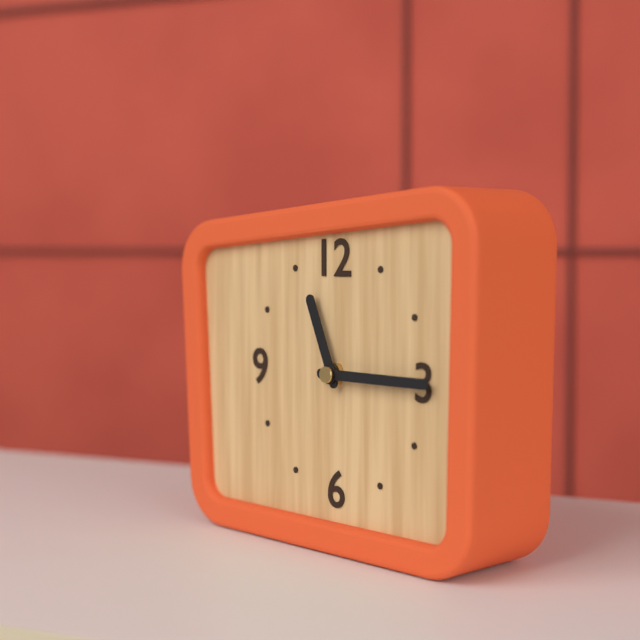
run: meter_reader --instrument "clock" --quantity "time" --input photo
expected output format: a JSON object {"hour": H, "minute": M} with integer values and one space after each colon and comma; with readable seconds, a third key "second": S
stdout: {"hour": 11, "minute": 15}
